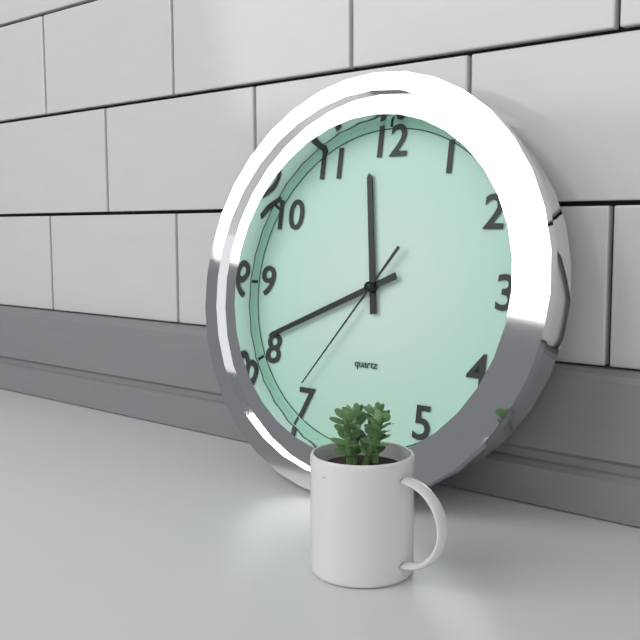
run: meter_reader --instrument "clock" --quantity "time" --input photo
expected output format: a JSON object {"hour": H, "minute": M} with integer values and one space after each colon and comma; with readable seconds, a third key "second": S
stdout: {"hour": 11, "minute": 41, "second": 36}
